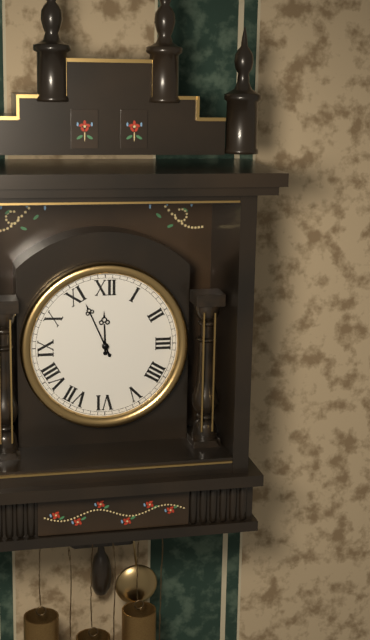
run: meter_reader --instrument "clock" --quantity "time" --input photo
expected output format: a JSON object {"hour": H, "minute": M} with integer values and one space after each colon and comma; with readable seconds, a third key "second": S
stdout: {"hour": 11, "minute": 56}
